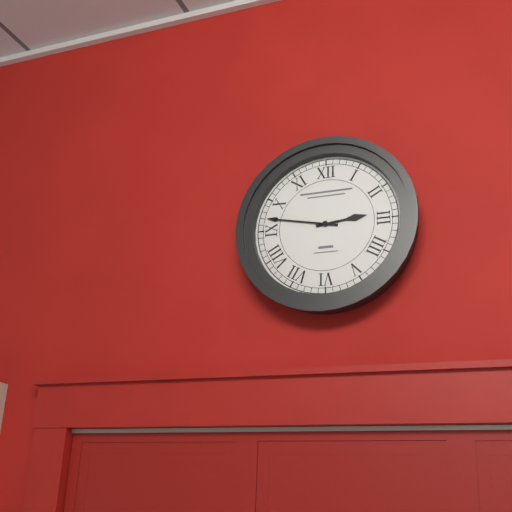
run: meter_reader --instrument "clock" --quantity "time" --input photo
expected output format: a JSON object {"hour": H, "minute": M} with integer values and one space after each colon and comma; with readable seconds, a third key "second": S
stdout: {"hour": 2, "minute": 47}
